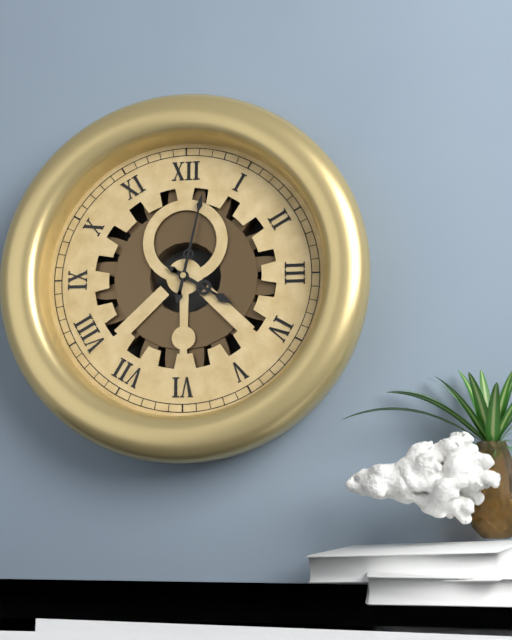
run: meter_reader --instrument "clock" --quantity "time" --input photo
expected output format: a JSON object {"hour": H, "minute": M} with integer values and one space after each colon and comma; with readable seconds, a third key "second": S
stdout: {"hour": 4, "minute": 2}
